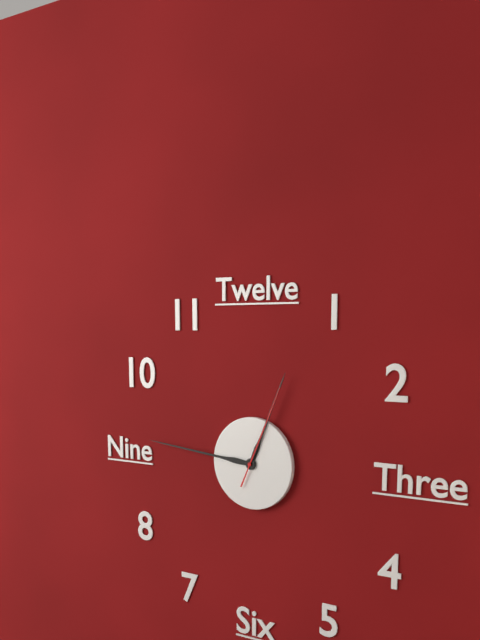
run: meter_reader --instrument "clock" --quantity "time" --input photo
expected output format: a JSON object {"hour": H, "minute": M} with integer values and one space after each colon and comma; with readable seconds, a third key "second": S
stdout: {"hour": 12, "minute": 46, "second": 4}
